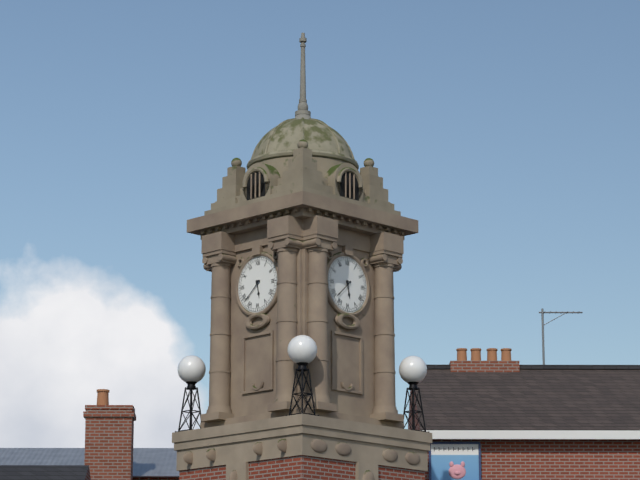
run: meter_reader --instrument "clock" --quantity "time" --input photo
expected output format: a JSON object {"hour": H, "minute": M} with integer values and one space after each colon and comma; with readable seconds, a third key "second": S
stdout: {"hour": 5, "minute": 38}
